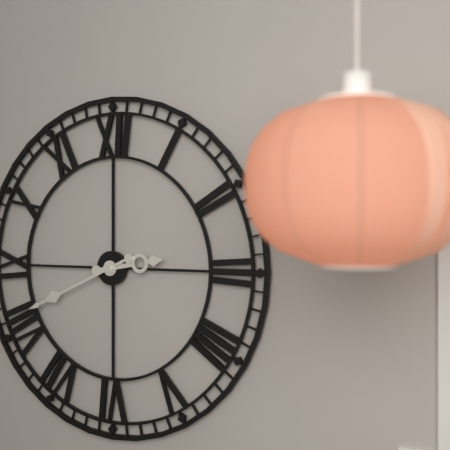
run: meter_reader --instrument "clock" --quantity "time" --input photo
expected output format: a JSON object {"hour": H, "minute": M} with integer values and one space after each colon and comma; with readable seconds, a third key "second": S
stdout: {"hour": 2, "minute": 41}
